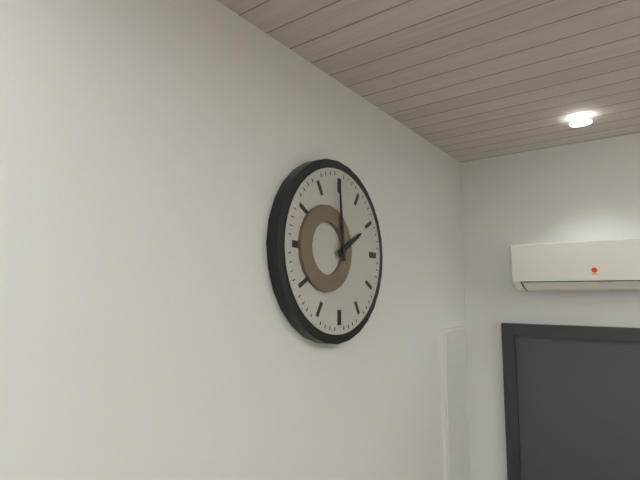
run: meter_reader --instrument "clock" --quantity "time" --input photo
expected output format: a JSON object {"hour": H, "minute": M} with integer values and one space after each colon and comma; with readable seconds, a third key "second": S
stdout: {"hour": 1, "minute": 59}
